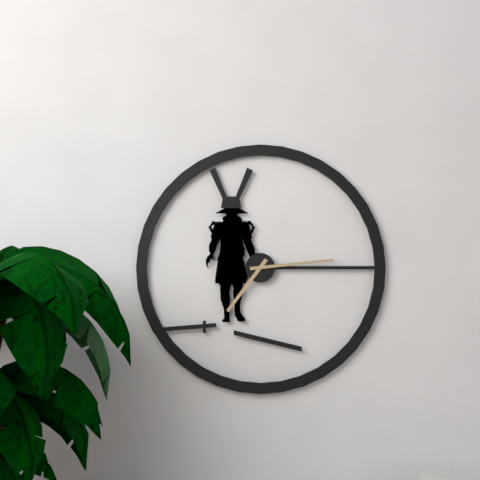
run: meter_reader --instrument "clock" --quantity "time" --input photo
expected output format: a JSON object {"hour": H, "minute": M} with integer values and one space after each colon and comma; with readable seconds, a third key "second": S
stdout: {"hour": 7, "minute": 14}
